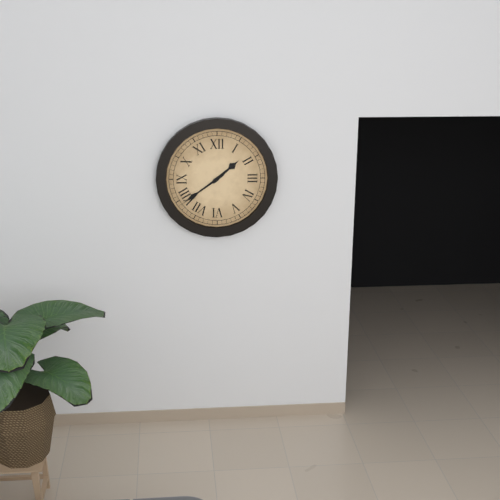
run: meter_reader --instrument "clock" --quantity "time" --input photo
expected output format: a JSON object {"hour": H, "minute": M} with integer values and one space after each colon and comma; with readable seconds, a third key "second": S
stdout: {"hour": 1, "minute": 39}
